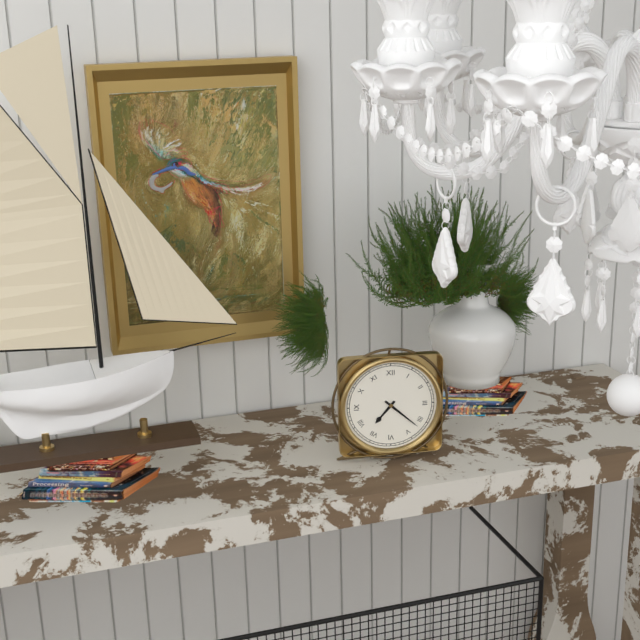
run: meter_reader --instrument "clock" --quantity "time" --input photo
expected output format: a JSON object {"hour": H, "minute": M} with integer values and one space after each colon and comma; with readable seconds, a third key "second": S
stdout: {"hour": 7, "minute": 22}
